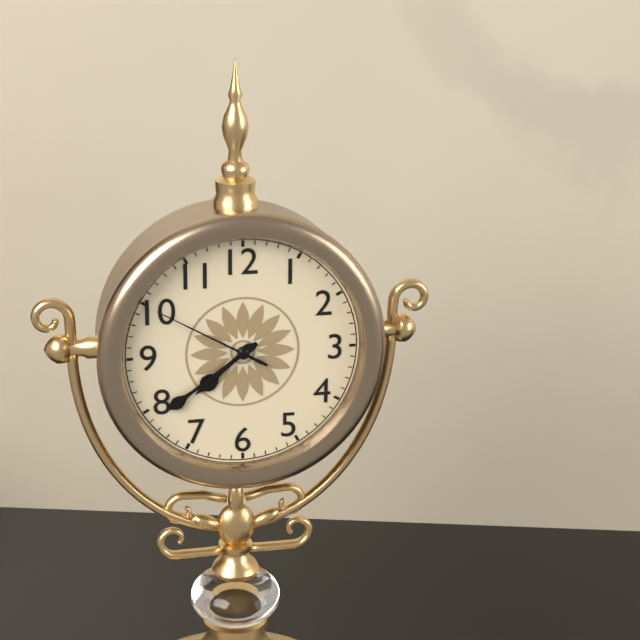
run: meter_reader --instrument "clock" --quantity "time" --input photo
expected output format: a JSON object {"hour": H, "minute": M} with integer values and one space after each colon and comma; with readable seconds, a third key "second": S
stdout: {"hour": 7, "minute": 39, "second": 50}
